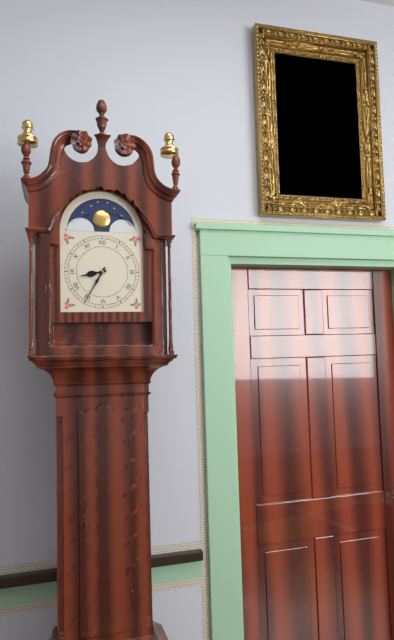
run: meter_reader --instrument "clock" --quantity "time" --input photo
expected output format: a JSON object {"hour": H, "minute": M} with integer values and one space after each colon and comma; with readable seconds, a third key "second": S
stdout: {"hour": 8, "minute": 35}
